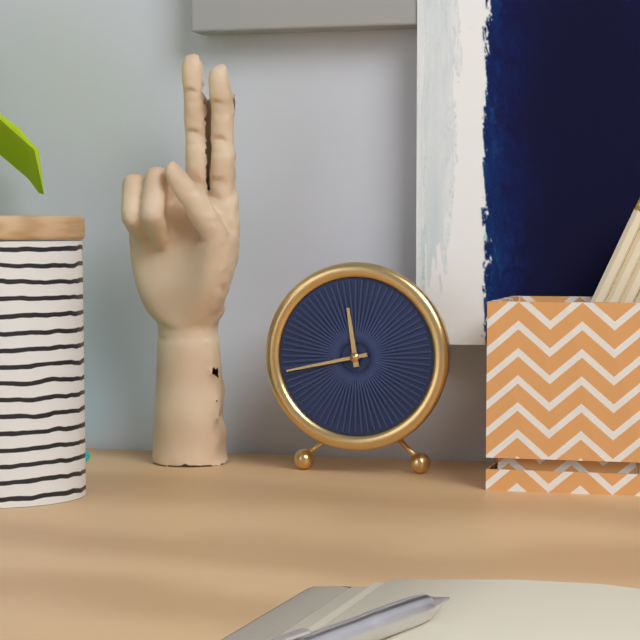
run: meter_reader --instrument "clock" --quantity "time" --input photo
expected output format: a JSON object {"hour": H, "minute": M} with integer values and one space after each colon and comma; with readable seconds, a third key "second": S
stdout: {"hour": 11, "minute": 43}
